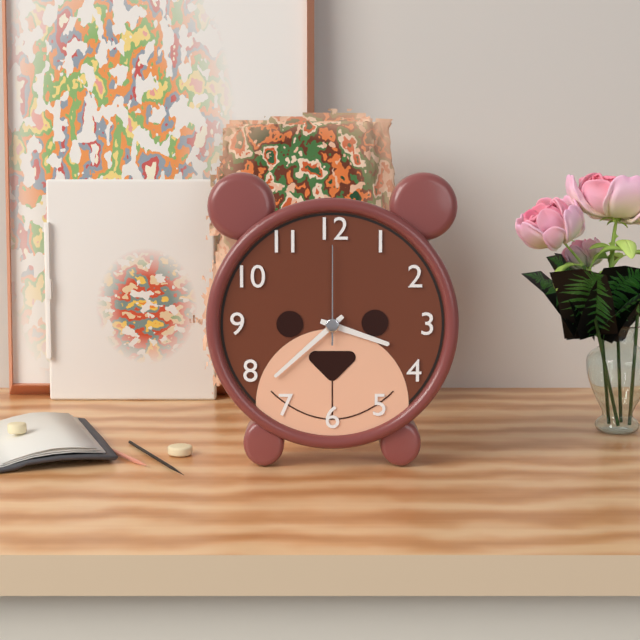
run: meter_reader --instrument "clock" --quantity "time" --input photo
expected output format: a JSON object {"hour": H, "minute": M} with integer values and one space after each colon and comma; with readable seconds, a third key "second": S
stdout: {"hour": 3, "minute": 38, "second": 0}
